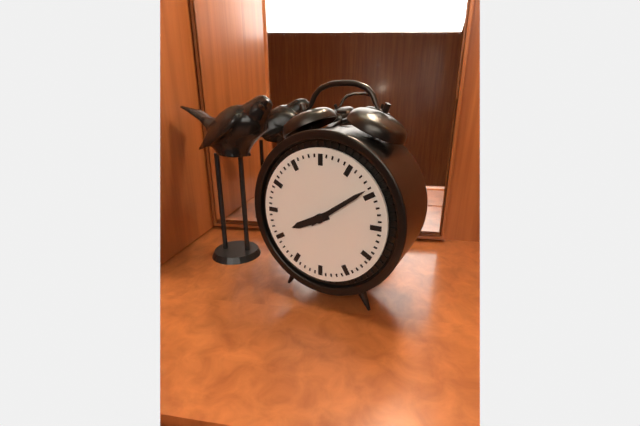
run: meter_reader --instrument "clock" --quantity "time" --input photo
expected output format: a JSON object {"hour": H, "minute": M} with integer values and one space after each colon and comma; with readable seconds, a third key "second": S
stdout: {"hour": 8, "minute": 9}
